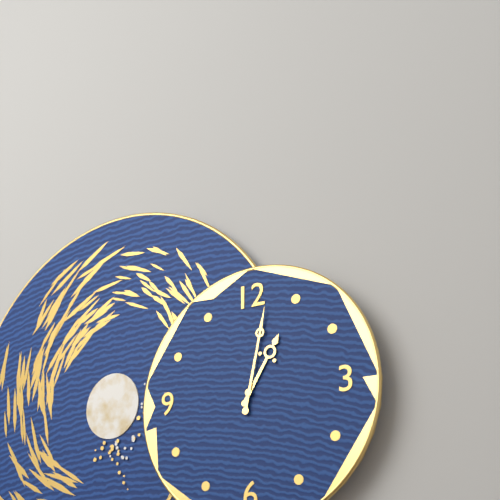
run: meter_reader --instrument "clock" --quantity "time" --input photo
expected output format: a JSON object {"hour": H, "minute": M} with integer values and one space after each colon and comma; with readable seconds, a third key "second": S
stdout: {"hour": 1, "minute": 2}
